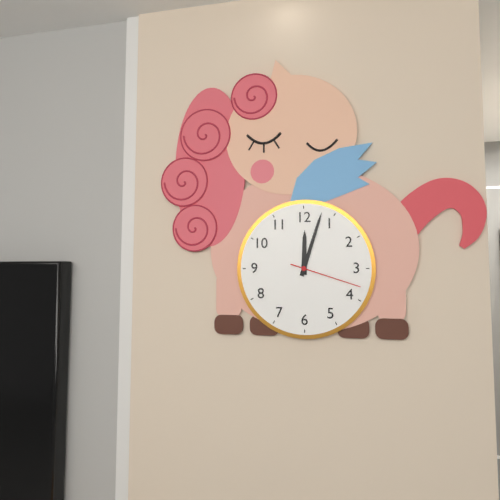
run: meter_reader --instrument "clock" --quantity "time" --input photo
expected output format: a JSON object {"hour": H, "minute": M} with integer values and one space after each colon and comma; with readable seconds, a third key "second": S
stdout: {"hour": 12, "minute": 3, "second": 18}
